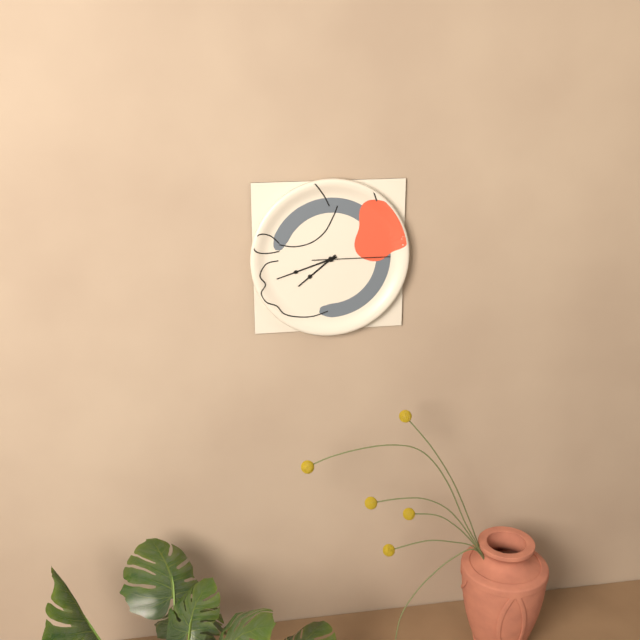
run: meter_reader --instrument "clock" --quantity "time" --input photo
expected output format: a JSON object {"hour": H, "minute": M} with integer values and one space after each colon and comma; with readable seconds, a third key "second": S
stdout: {"hour": 7, "minute": 42, "second": 15}
